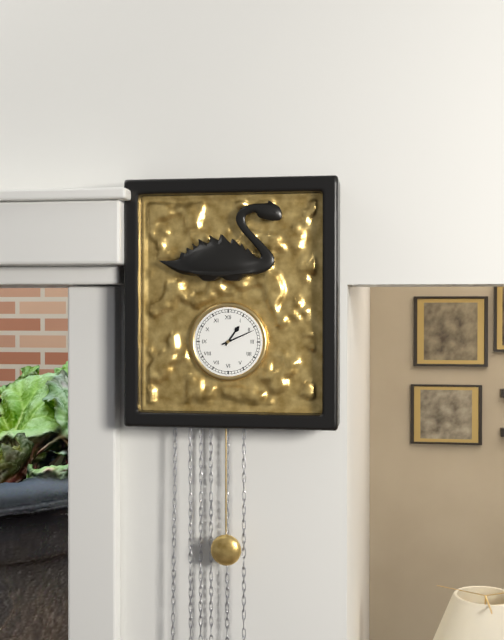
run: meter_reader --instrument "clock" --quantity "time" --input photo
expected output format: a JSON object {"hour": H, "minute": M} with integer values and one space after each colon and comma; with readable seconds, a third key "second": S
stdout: {"hour": 1, "minute": 11}
